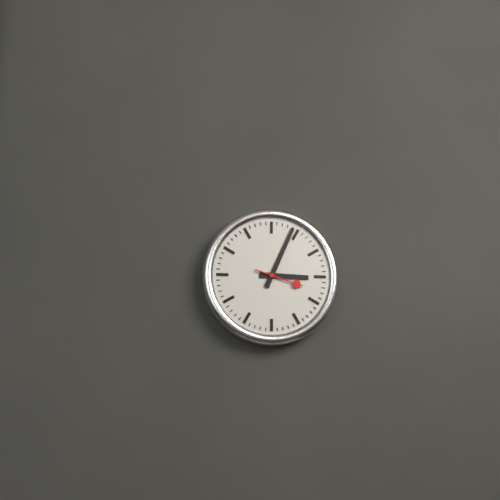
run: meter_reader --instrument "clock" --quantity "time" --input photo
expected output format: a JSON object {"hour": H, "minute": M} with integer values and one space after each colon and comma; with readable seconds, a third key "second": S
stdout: {"hour": 3, "minute": 4}
